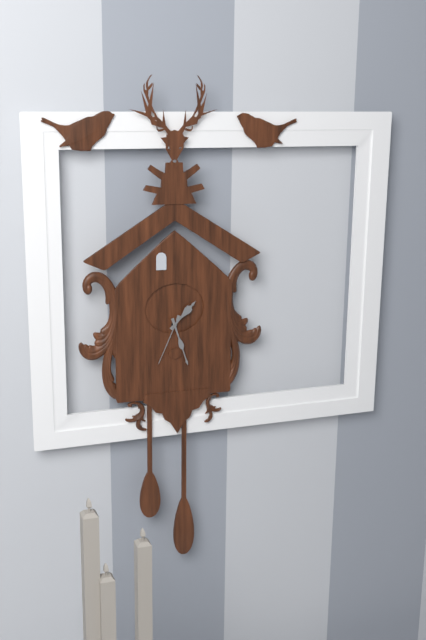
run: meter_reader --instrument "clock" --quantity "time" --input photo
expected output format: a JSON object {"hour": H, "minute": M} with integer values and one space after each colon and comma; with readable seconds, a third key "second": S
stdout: {"hour": 1, "minute": 27, "second": 34}
